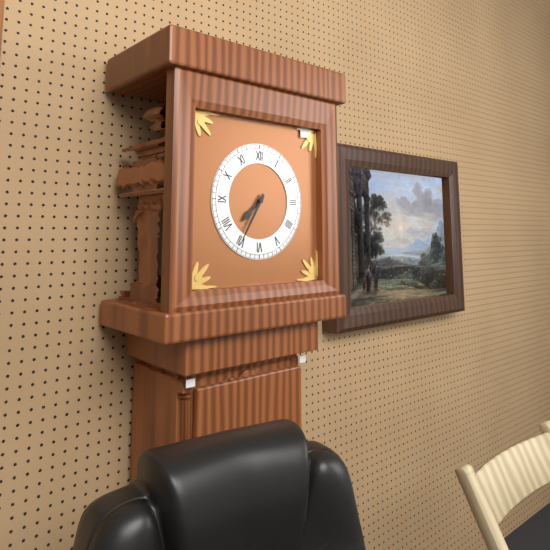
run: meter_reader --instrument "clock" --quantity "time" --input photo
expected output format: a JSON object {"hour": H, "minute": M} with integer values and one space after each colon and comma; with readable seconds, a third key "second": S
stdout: {"hour": 7, "minute": 35}
